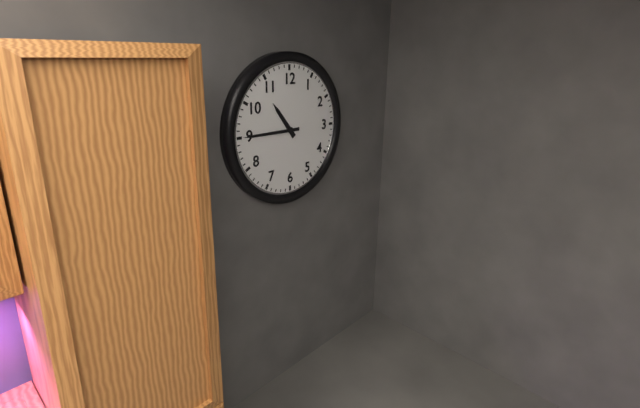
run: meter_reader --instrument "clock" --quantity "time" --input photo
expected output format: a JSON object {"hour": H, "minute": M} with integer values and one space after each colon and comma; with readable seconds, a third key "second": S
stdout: {"hour": 10, "minute": 45}
